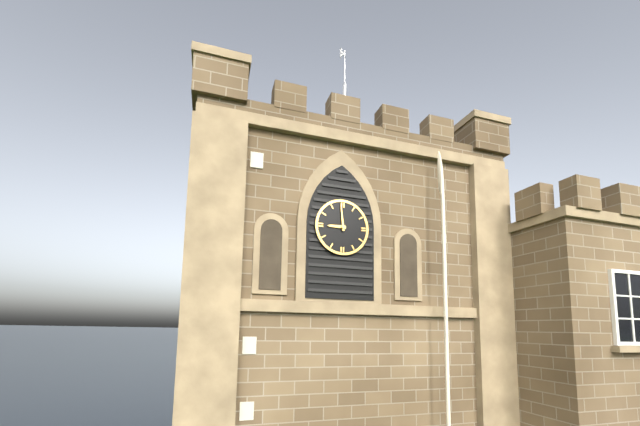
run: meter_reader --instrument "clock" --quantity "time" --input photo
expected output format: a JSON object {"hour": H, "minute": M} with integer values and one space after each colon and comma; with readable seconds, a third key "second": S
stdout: {"hour": 8, "minute": 59}
